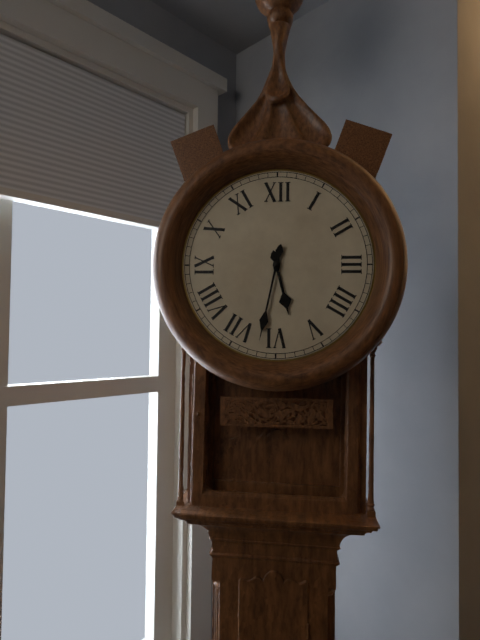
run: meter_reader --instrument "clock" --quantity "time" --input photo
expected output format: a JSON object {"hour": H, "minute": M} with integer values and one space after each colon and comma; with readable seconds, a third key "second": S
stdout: {"hour": 5, "minute": 32}
